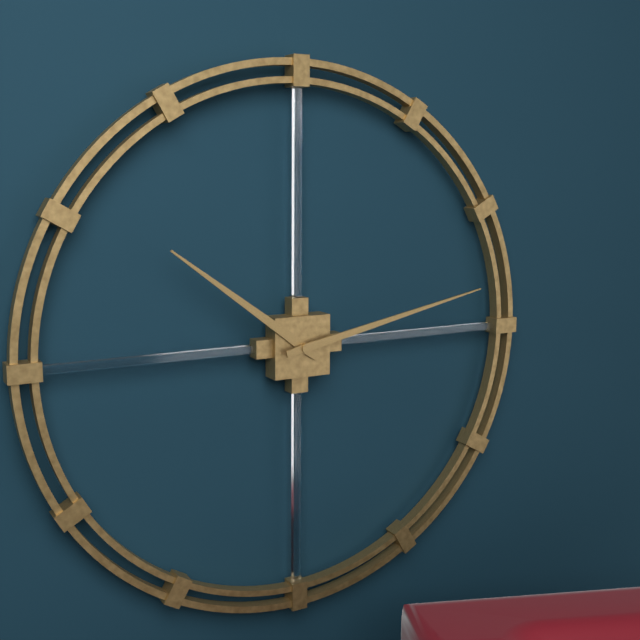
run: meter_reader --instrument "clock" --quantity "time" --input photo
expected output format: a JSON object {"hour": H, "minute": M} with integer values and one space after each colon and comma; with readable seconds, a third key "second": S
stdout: {"hour": 10, "minute": 13}
